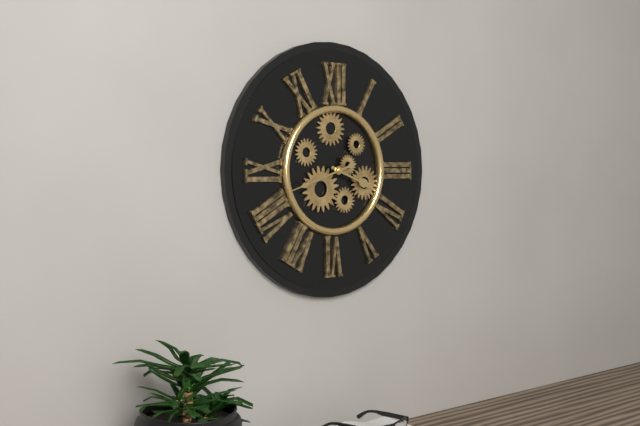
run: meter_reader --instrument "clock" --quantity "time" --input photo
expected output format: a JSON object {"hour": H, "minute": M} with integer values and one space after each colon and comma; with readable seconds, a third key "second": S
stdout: {"hour": 3, "minute": 42}
